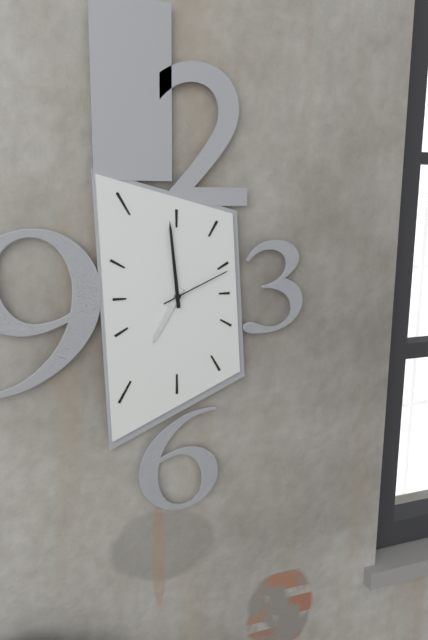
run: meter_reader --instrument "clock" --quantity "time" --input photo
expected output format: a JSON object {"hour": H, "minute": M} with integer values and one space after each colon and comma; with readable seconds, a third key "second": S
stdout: {"hour": 6, "minute": 59, "second": 11}
